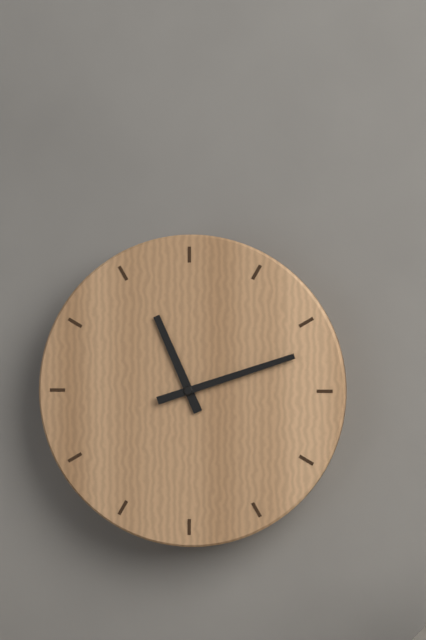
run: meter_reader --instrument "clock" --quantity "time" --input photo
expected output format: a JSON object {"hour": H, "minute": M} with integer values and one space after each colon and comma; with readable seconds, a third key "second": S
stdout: {"hour": 11, "minute": 12}
